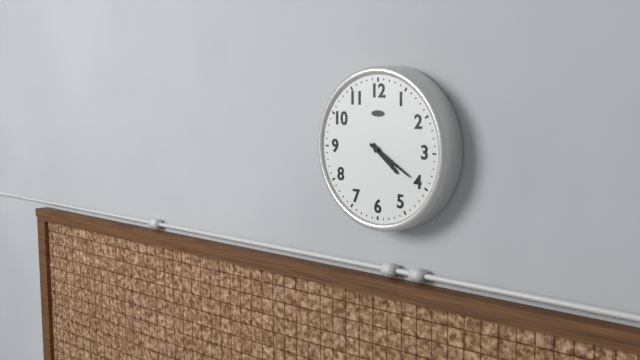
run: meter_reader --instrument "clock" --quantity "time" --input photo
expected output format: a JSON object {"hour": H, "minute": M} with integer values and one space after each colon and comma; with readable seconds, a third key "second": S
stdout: {"hour": 4, "minute": 20}
